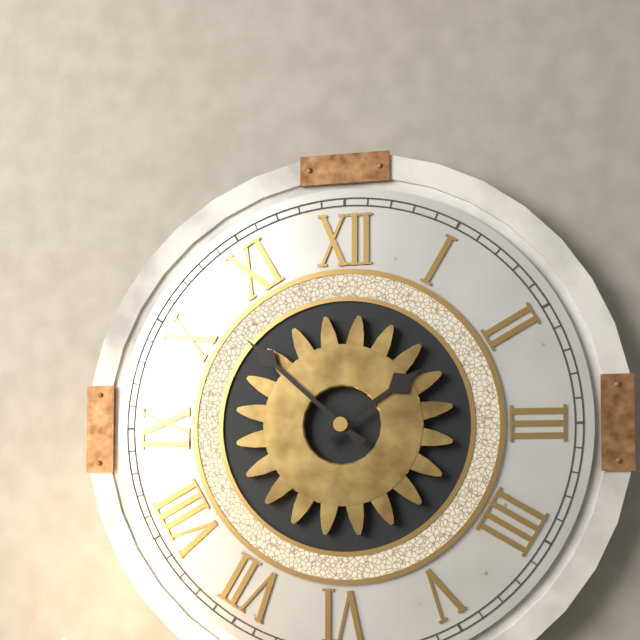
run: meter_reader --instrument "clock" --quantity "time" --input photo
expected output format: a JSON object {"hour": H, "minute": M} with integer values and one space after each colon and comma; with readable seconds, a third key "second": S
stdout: {"hour": 1, "minute": 52}
